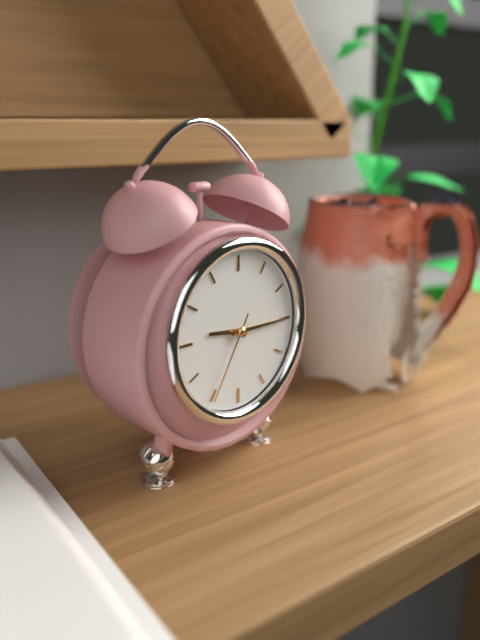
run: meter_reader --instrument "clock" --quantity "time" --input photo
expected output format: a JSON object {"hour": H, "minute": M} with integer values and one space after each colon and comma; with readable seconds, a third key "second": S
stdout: {"hour": 9, "minute": 15, "second": 35}
